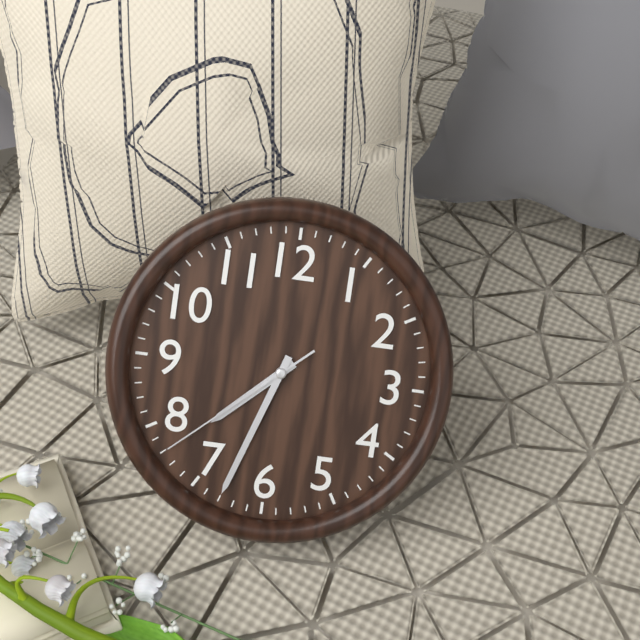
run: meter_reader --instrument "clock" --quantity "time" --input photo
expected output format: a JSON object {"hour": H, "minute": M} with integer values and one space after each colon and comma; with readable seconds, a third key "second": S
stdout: {"hour": 7, "minute": 33, "second": 38}
